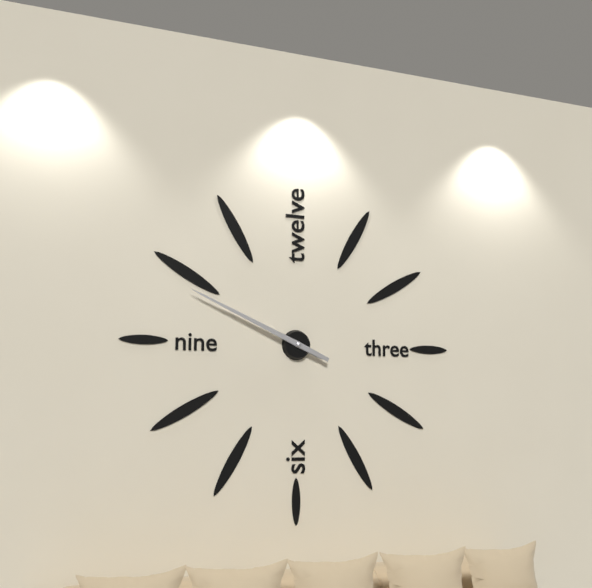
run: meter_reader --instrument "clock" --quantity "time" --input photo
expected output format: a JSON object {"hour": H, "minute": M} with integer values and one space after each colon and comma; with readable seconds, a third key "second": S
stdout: {"hour": 9, "minute": 49}
